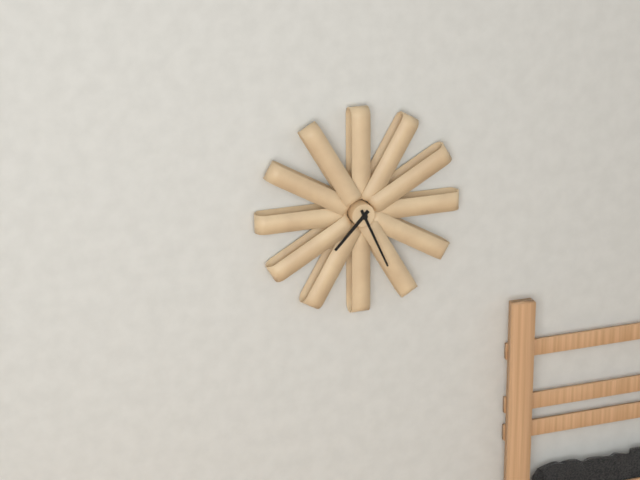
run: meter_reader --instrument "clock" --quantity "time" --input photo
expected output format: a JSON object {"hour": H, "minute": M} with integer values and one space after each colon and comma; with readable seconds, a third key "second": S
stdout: {"hour": 7, "minute": 26}
